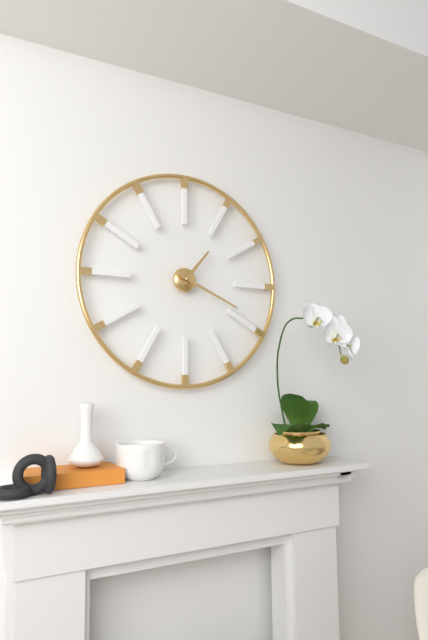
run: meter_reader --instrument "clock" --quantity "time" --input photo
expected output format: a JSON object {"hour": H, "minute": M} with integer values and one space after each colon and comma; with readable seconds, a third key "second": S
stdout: {"hour": 1, "minute": 19}
